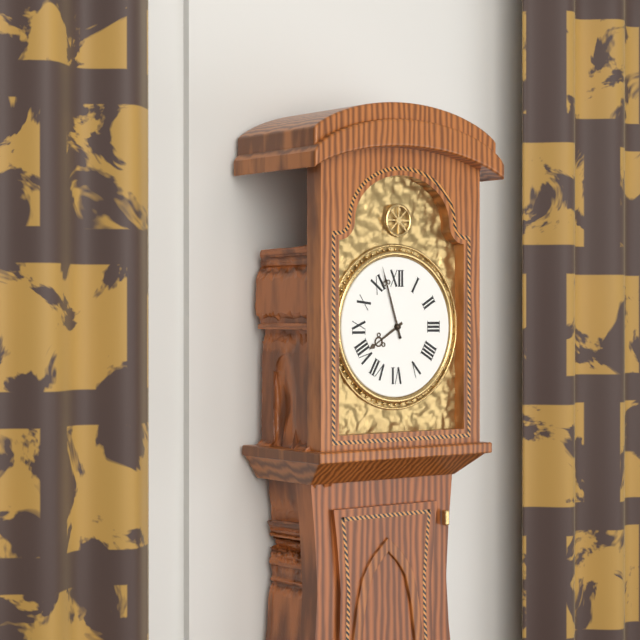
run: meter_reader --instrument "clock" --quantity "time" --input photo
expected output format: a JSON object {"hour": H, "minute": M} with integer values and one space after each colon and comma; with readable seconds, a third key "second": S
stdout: {"hour": 7, "minute": 57}
